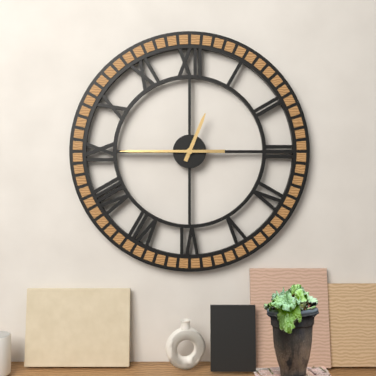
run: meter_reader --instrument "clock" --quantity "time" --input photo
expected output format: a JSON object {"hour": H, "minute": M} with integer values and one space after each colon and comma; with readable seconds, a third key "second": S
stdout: {"hour": 12, "minute": 45}
